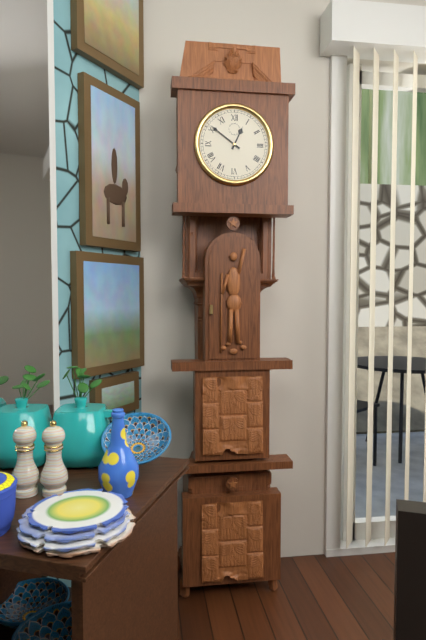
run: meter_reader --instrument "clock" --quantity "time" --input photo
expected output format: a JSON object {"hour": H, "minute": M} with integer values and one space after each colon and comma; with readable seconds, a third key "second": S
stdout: {"hour": 12, "minute": 51}
